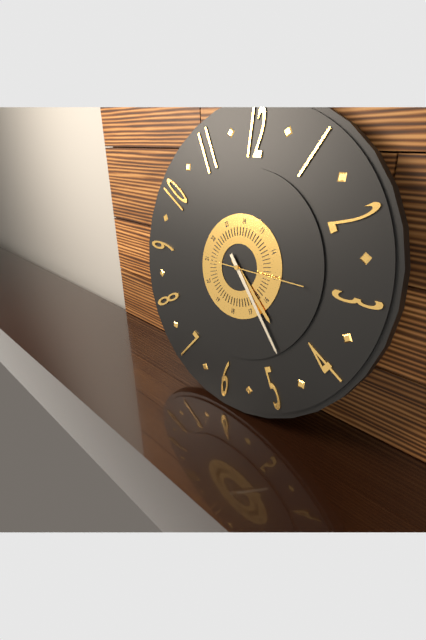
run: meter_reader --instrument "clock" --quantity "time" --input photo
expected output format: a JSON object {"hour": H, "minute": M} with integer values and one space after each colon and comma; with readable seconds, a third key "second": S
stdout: {"hour": 4, "minute": 23, "second": 15}
